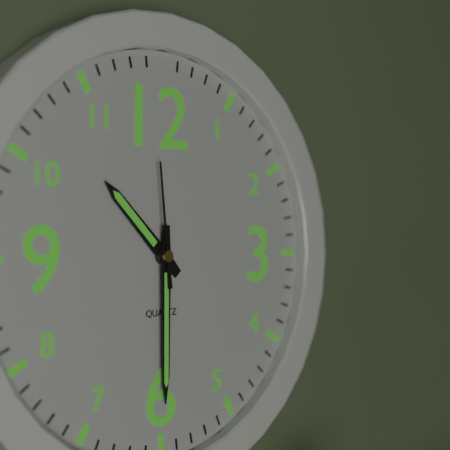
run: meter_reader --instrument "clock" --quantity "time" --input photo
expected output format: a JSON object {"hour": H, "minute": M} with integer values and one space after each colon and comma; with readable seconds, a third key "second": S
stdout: {"hour": 10, "minute": 30, "second": 59}
